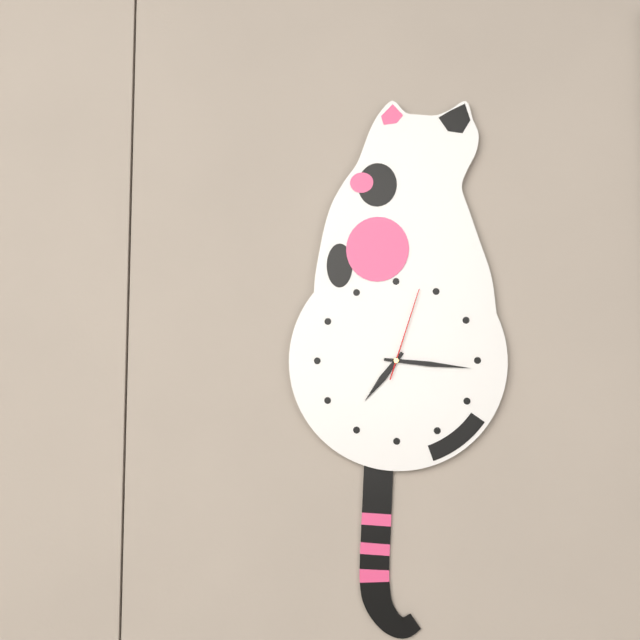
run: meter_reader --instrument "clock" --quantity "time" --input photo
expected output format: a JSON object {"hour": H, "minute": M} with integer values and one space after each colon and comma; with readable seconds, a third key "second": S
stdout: {"hour": 7, "minute": 16, "second": 3}
